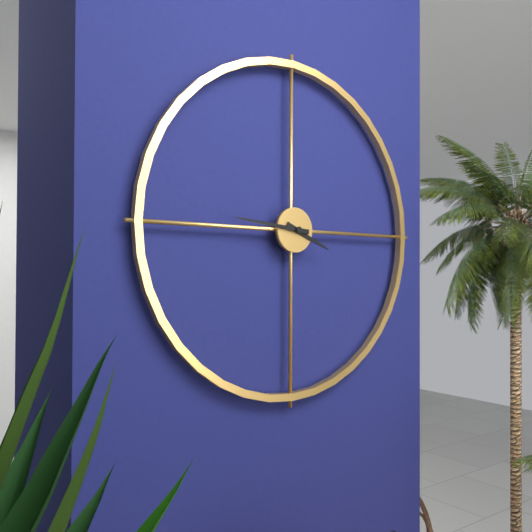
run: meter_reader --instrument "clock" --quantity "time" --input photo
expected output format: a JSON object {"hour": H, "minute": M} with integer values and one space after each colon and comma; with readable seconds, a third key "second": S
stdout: {"hour": 3, "minute": 46}
